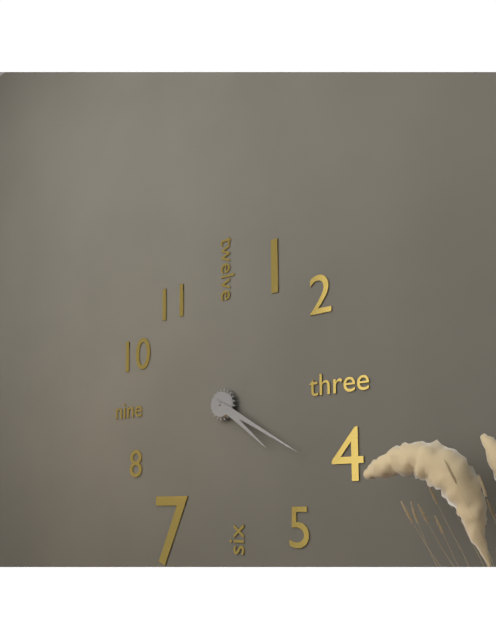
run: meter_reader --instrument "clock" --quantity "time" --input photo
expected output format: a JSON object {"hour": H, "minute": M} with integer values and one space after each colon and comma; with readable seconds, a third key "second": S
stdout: {"hour": 4, "minute": 20}
